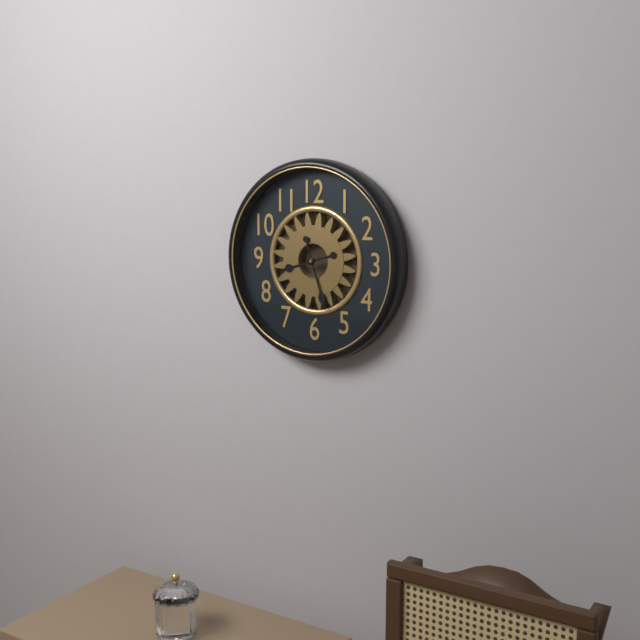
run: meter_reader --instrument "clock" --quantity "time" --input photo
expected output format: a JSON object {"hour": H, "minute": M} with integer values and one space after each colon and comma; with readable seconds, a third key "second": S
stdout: {"hour": 8, "minute": 27}
